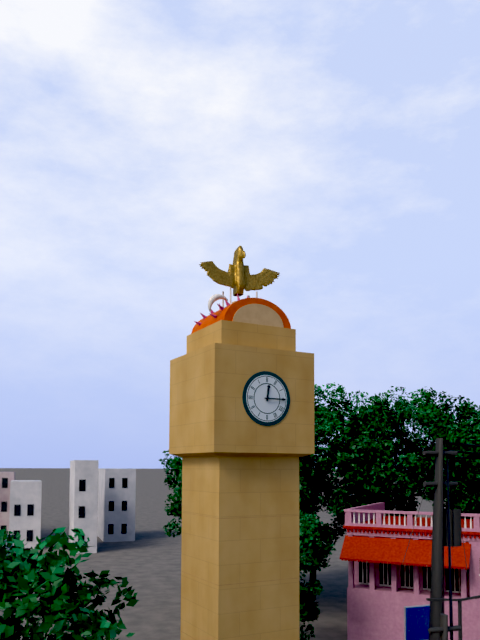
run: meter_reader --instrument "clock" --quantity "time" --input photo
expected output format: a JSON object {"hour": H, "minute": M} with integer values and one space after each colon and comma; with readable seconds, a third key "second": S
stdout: {"hour": 12, "minute": 15}
